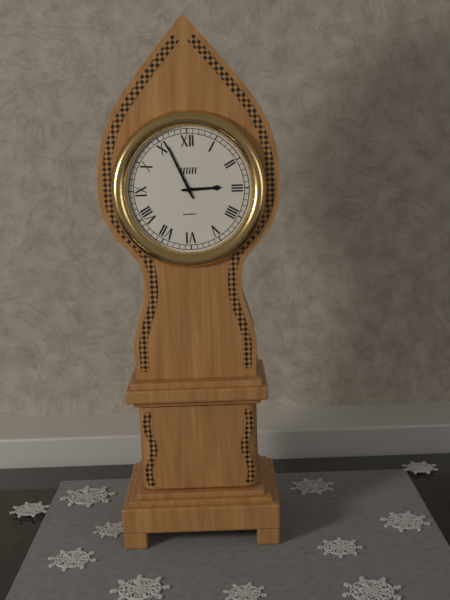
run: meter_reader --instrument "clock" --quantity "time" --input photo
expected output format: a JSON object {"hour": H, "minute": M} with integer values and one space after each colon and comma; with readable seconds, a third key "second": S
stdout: {"hour": 2, "minute": 56}
